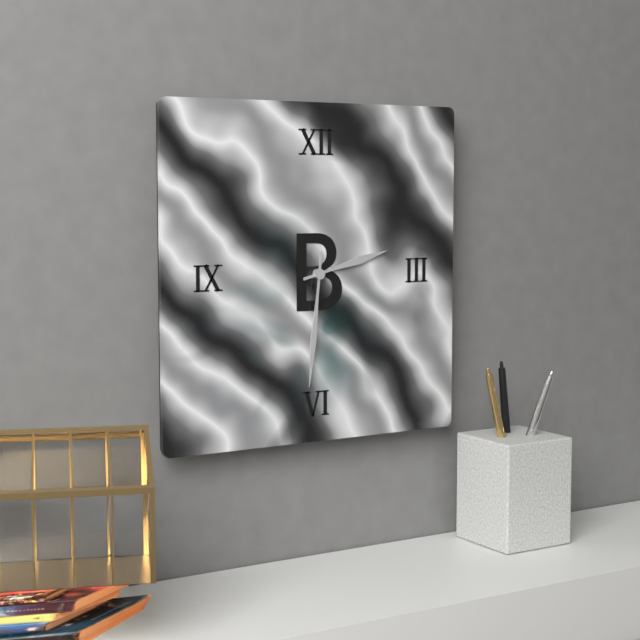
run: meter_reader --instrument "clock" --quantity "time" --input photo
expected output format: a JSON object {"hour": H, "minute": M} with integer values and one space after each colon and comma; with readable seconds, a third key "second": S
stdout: {"hour": 2, "minute": 31}
